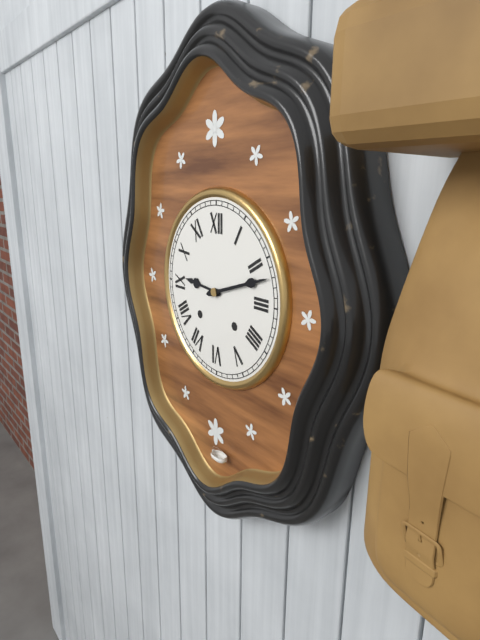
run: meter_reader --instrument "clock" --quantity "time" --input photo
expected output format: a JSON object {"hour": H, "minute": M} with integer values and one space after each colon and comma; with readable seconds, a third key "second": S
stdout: {"hour": 9, "minute": 12}
